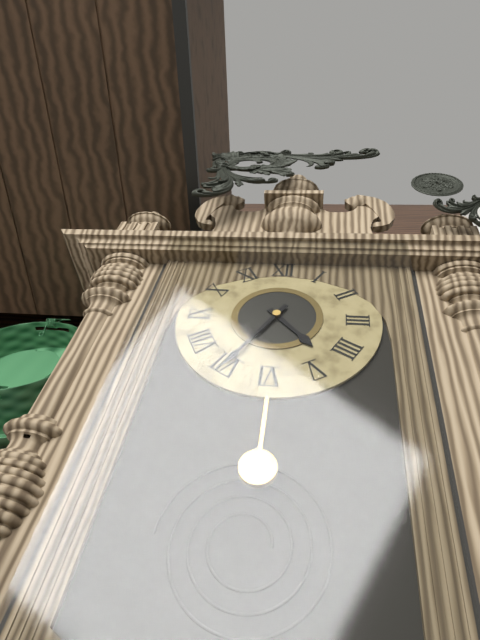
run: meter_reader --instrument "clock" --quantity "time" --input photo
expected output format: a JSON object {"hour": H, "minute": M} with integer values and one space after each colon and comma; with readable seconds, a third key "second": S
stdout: {"hour": 4, "minute": 35}
